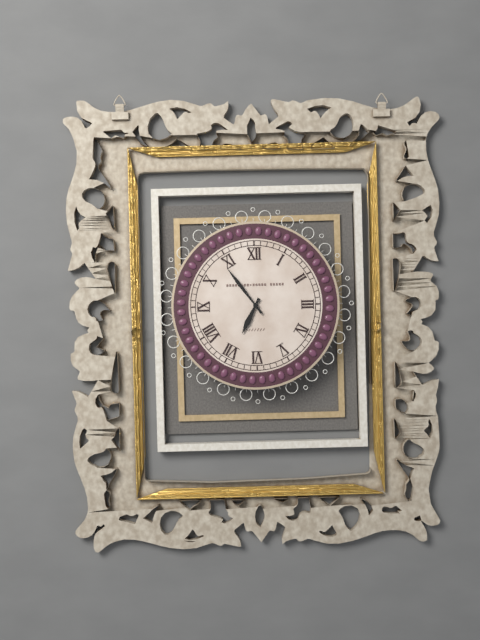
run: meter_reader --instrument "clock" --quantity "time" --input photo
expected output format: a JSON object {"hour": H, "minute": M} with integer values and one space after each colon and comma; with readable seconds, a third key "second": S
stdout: {"hour": 6, "minute": 54}
